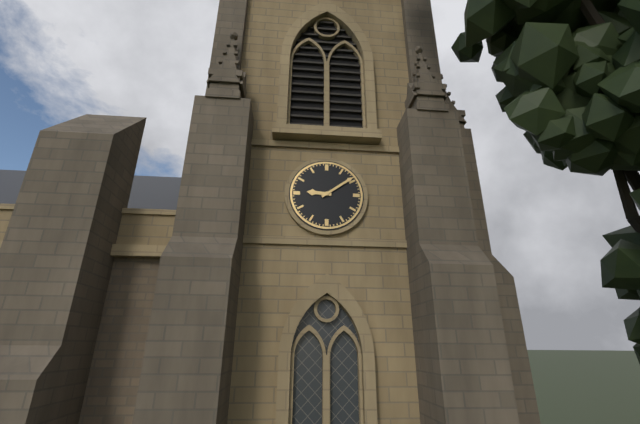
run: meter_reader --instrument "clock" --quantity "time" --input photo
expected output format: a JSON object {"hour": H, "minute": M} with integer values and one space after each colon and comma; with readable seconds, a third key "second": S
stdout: {"hour": 9, "minute": 9}
